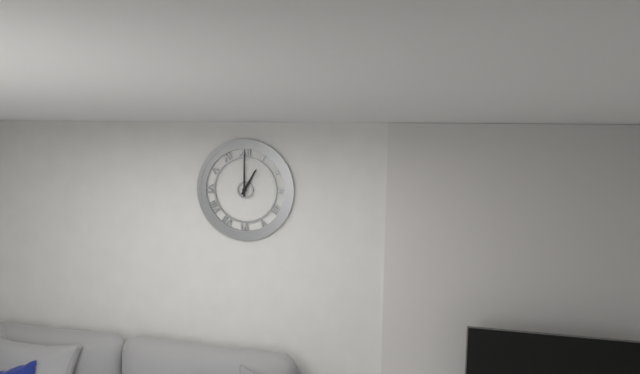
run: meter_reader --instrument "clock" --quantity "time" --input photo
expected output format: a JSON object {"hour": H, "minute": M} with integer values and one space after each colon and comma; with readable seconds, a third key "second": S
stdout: {"hour": 1, "minute": 0}
